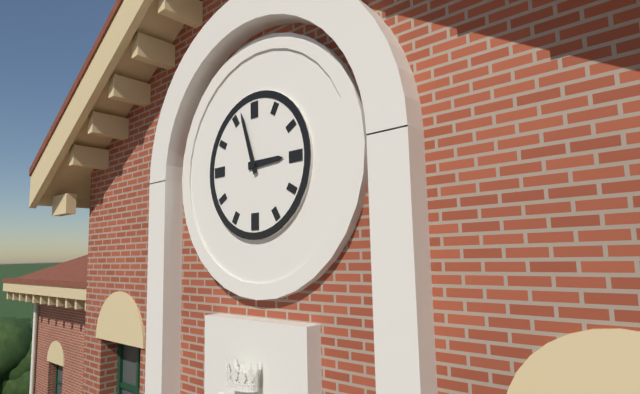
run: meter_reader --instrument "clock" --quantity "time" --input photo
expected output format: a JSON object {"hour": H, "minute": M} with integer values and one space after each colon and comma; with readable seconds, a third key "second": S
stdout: {"hour": 2, "minute": 57}
